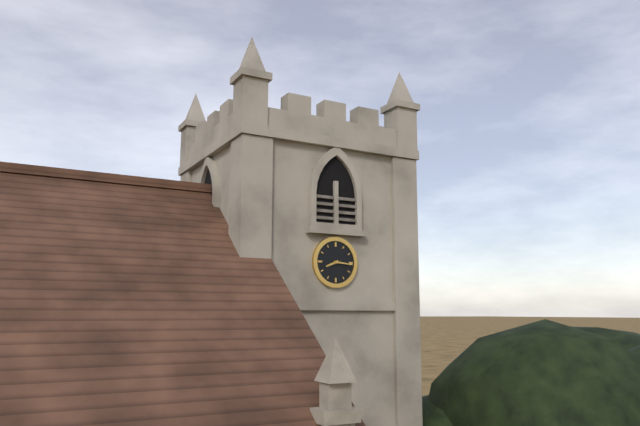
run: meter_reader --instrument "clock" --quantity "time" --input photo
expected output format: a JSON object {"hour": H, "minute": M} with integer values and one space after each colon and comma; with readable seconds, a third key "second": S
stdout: {"hour": 8, "minute": 16}
